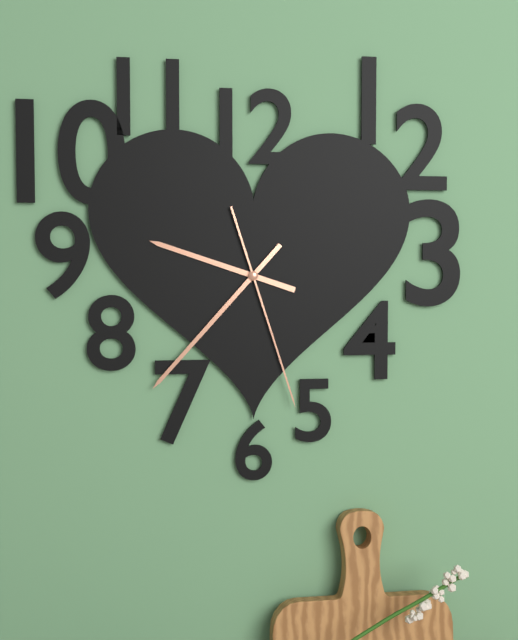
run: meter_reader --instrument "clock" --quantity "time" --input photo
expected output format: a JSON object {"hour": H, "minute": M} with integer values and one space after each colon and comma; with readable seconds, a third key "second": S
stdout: {"hour": 9, "minute": 37, "second": 27}
